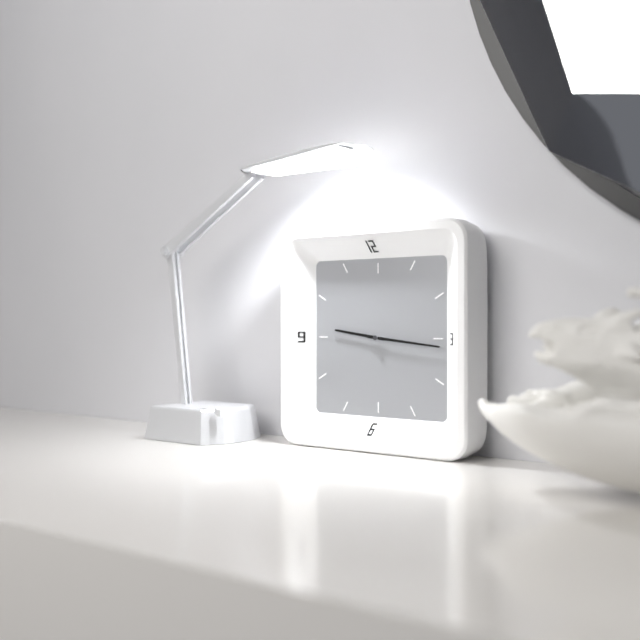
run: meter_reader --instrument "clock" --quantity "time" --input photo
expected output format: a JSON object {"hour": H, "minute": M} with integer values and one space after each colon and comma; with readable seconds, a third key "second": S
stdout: {"hour": 9, "minute": 16}
